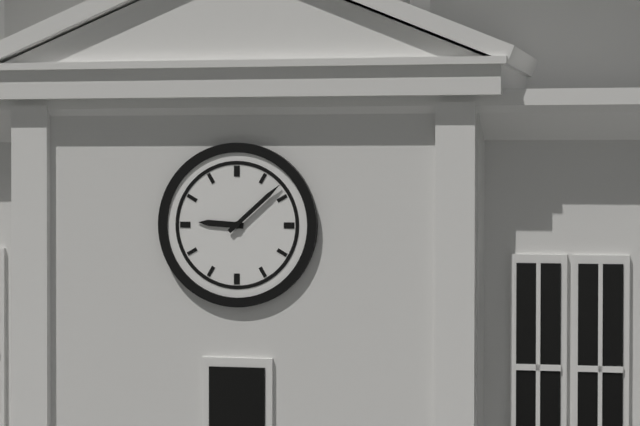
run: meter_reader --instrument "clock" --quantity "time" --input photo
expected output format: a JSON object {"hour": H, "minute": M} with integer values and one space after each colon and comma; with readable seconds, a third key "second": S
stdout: {"hour": 9, "minute": 8}
